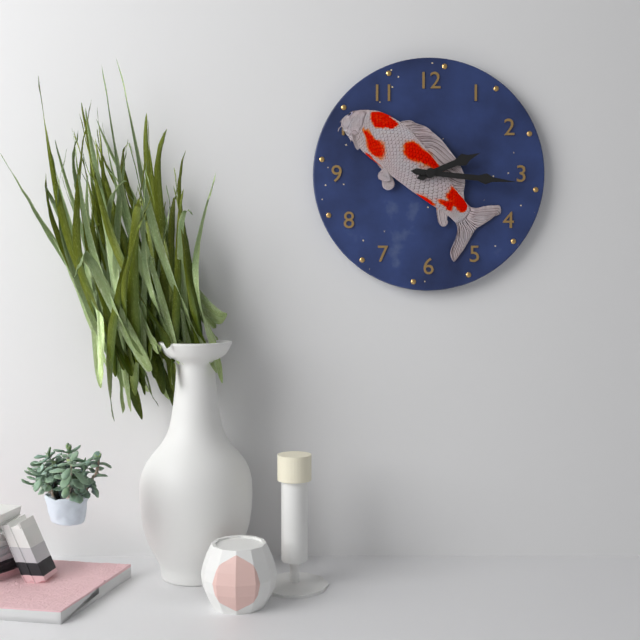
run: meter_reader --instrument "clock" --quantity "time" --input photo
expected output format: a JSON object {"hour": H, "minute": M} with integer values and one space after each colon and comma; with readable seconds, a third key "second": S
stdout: {"hour": 2, "minute": 16}
